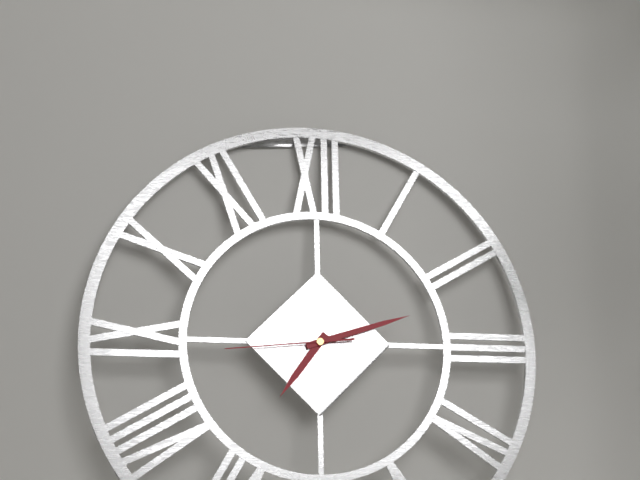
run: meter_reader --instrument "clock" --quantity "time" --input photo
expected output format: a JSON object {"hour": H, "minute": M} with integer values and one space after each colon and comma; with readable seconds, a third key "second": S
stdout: {"hour": 7, "minute": 12, "second": 44}
